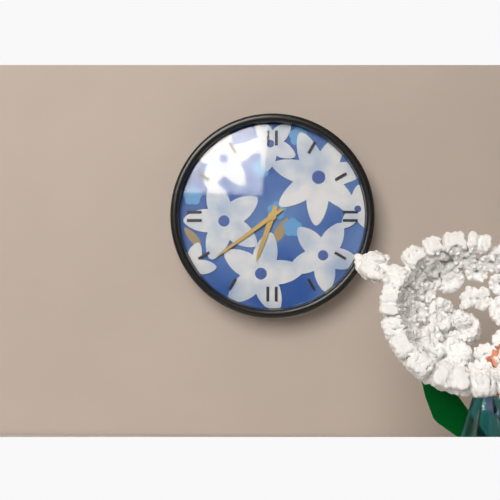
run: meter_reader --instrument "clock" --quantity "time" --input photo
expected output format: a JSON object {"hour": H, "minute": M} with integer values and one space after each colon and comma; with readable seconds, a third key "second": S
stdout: {"hour": 6, "minute": 39}
